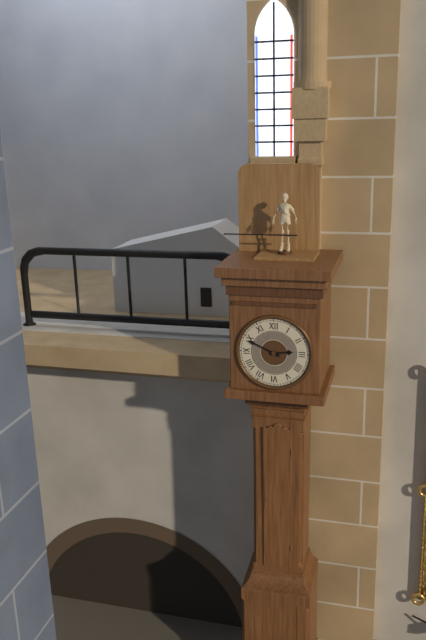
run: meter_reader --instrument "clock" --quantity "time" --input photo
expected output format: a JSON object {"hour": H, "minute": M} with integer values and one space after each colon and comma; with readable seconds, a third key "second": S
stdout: {"hour": 2, "minute": 49}
